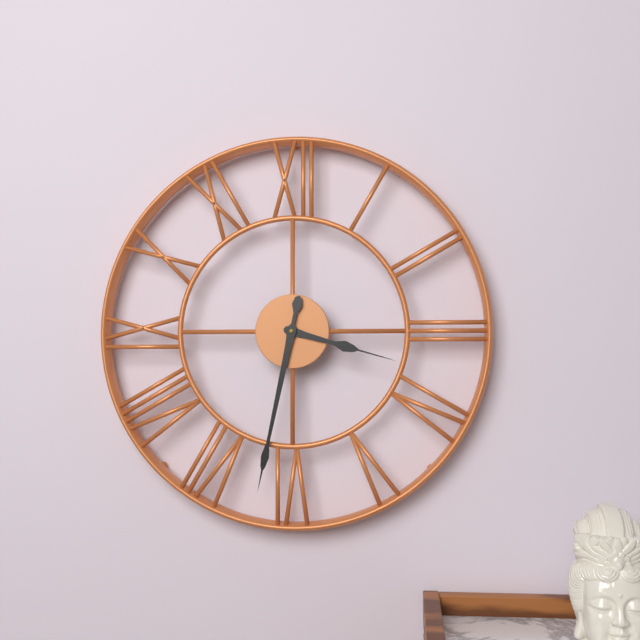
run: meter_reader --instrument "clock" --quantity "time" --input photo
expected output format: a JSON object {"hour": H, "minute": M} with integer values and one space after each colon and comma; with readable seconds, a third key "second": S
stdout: {"hour": 3, "minute": 32}
